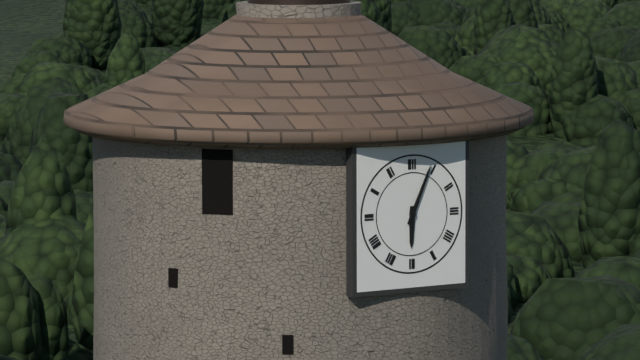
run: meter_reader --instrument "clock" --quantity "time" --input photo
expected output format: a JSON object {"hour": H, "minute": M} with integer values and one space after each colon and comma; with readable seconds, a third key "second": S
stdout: {"hour": 6, "minute": 4}
